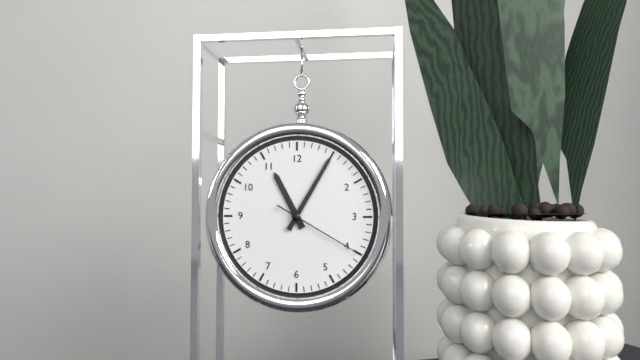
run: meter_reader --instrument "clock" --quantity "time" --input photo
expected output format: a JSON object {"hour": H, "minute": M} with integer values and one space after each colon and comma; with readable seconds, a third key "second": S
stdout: {"hour": 11, "minute": 5, "second": 20}
